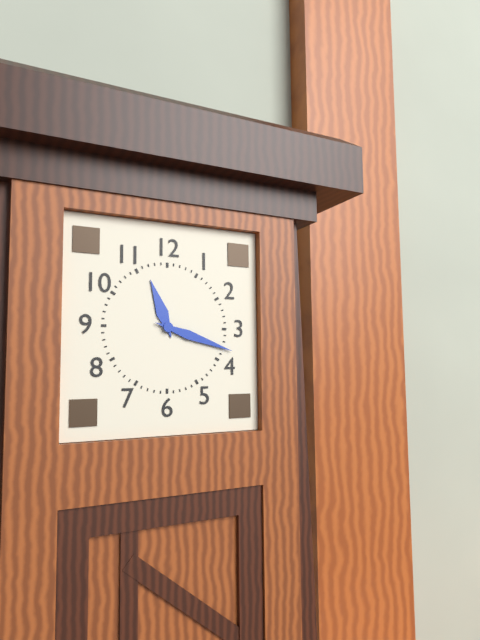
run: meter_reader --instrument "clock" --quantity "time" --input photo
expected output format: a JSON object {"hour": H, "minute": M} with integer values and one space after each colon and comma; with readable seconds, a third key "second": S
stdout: {"hour": 11, "minute": 18}
